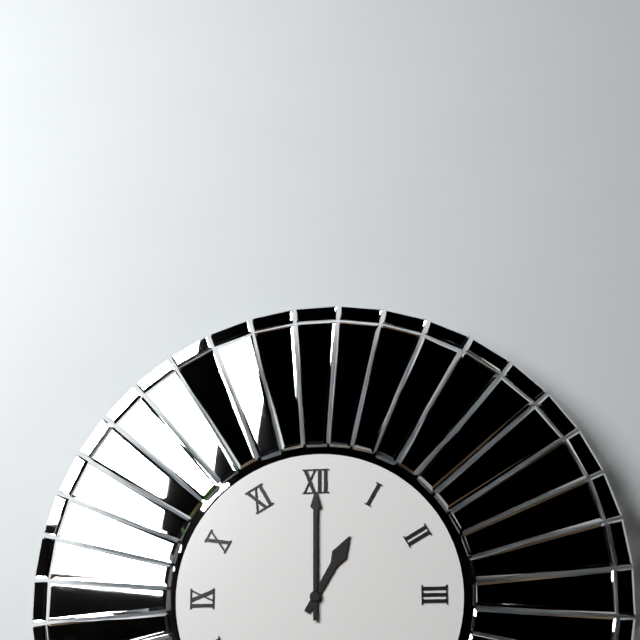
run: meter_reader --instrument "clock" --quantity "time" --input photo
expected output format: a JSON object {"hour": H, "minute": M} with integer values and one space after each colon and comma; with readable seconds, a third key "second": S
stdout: {"hour": 1, "minute": 0}
